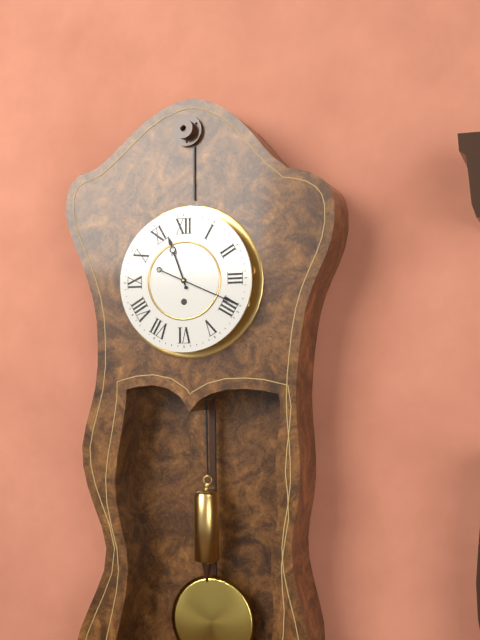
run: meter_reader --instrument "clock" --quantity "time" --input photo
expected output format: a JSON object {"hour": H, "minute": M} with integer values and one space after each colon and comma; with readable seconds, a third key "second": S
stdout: {"hour": 11, "minute": 19}
